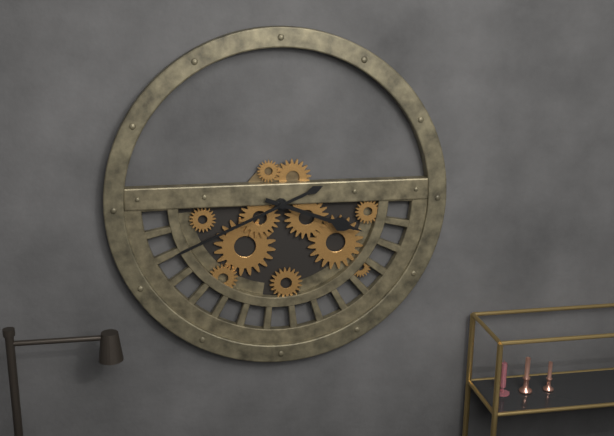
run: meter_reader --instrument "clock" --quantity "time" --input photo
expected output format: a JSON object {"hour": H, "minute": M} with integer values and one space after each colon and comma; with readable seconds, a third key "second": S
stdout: {"hour": 3, "minute": 41}
